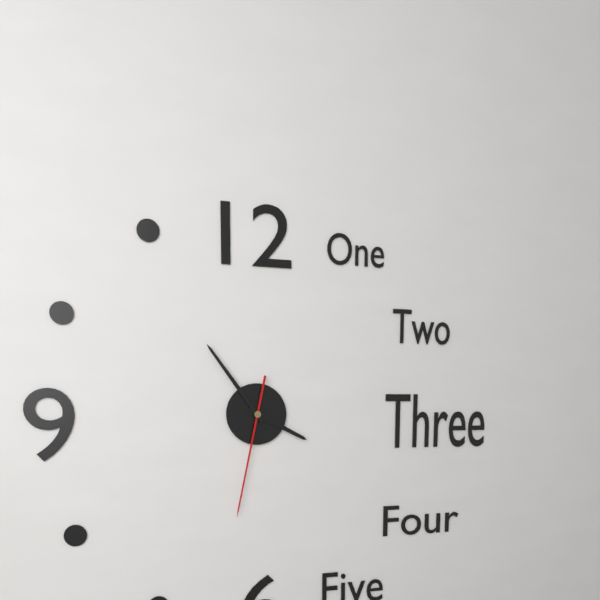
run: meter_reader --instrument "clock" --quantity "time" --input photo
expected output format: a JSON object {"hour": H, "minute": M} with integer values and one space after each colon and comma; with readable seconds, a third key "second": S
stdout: {"hour": 3, "minute": 54, "second": 32}
